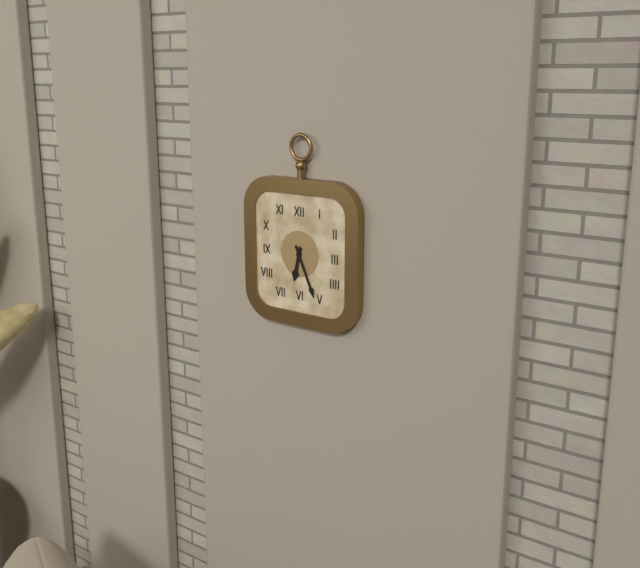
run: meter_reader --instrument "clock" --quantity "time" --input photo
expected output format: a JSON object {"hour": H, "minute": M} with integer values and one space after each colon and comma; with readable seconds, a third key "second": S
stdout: {"hour": 6, "minute": 26}
